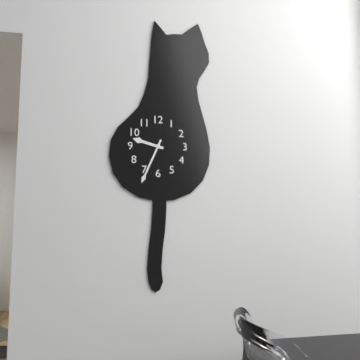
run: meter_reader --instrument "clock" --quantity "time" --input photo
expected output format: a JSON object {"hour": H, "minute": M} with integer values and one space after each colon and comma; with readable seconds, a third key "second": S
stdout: {"hour": 9, "minute": 34}
